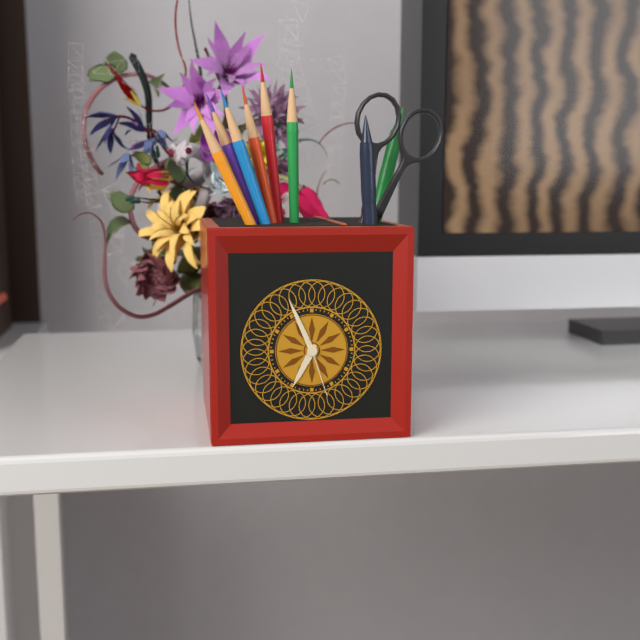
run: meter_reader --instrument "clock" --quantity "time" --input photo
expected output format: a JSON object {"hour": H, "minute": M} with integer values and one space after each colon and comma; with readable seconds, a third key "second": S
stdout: {"hour": 6, "minute": 56, "second": 27}
